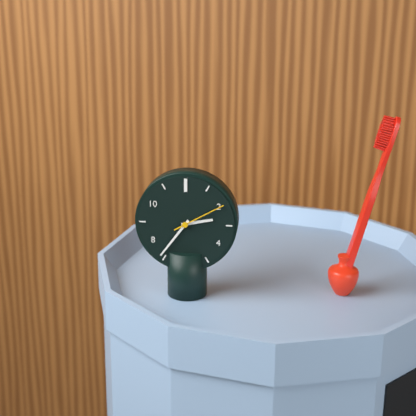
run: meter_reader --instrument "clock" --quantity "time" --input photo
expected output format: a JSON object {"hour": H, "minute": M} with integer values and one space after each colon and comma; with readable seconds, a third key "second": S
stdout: {"hour": 2, "minute": 36, "second": 10}
